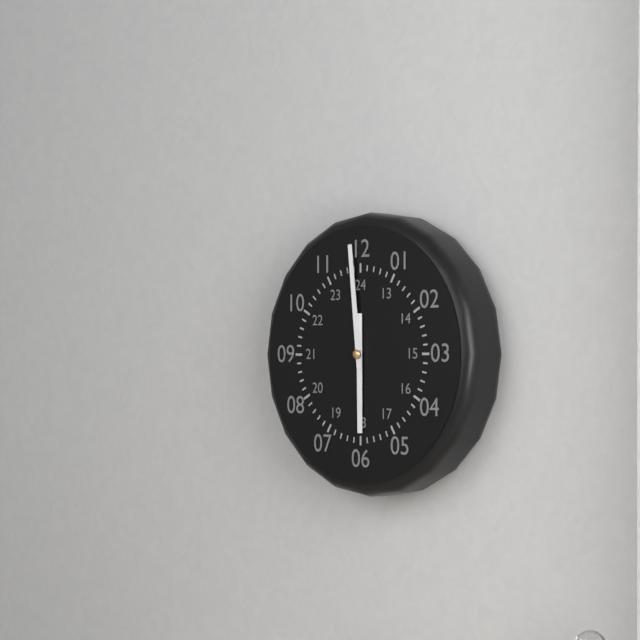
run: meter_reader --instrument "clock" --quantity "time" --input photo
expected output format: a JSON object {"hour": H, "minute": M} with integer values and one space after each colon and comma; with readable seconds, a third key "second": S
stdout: {"hour": 5, "minute": 59}
